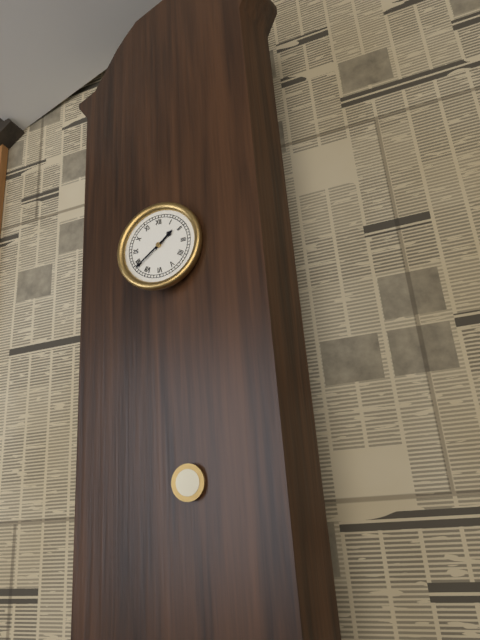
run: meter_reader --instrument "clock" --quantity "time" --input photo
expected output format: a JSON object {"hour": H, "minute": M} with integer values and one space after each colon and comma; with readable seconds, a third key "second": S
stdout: {"hour": 1, "minute": 39}
